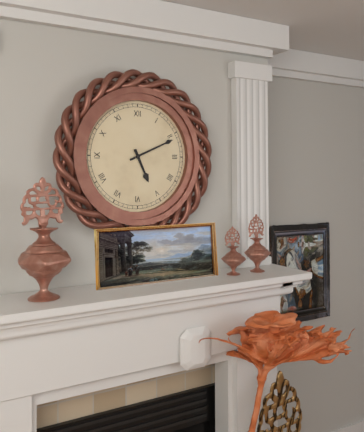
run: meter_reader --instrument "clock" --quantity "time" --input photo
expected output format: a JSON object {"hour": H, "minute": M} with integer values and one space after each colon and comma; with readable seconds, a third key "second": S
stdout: {"hour": 5, "minute": 11}
